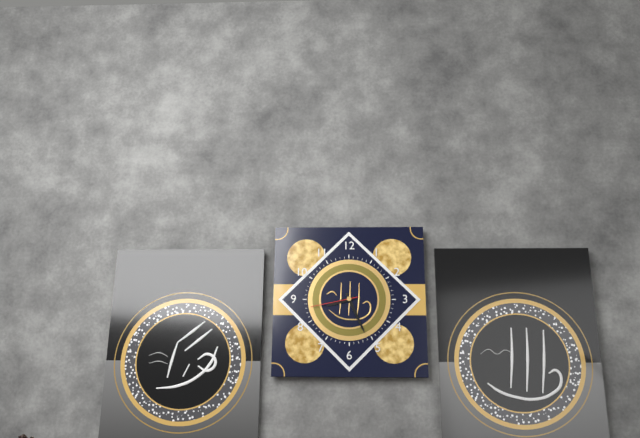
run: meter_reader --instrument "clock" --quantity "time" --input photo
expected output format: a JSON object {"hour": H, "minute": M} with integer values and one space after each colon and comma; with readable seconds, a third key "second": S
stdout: {"hour": 8, "minute": 26}
